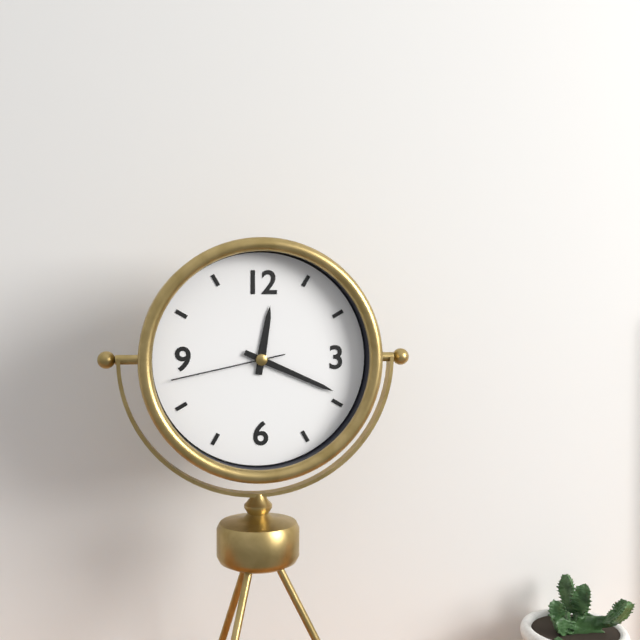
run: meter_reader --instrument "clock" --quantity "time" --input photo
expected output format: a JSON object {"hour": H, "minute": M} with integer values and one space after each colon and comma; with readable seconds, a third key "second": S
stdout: {"hour": 12, "minute": 19, "second": 43}
